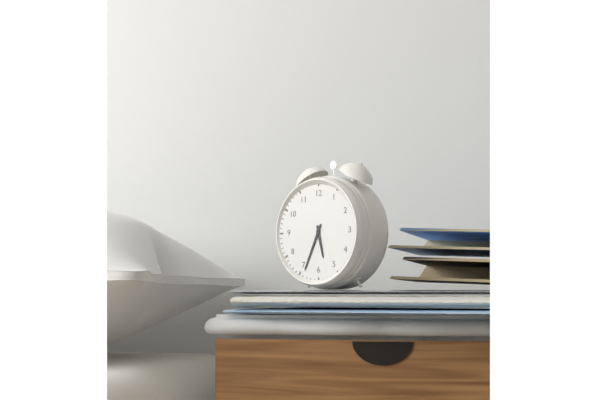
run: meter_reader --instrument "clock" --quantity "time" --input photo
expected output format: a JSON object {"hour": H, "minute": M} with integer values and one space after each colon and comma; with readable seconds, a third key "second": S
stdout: {"hour": 5, "minute": 34}
